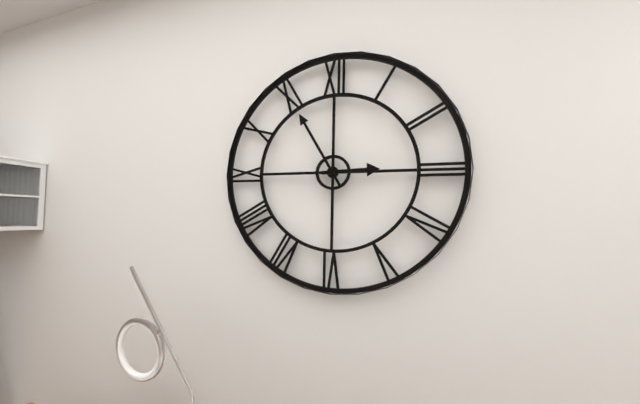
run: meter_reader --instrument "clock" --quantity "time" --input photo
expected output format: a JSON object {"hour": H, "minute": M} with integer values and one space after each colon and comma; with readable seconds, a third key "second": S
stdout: {"hour": 2, "minute": 55}
